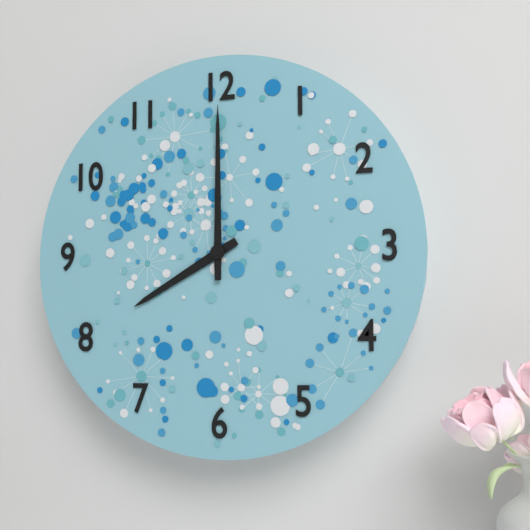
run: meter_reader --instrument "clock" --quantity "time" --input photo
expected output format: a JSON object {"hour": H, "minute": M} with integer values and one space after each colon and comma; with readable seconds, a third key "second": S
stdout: {"hour": 8, "minute": 0}
